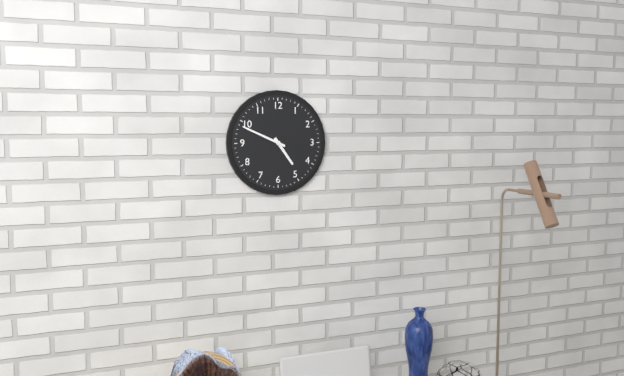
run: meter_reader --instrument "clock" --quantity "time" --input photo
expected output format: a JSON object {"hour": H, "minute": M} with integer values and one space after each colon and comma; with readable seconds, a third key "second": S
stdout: {"hour": 4, "minute": 49}
